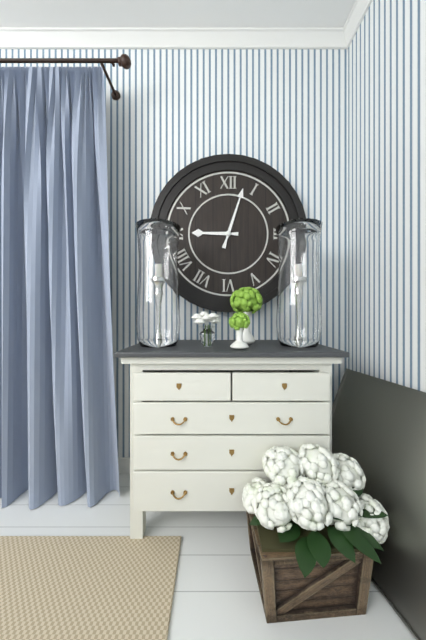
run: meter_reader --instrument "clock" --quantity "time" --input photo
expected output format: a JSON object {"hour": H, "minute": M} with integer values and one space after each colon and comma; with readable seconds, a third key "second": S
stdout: {"hour": 9, "minute": 3}
